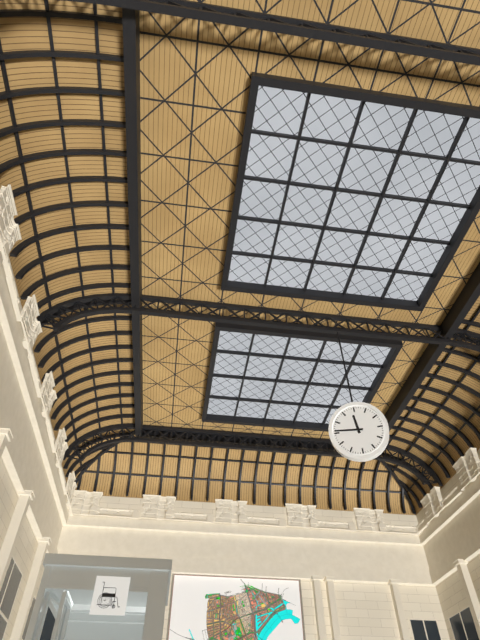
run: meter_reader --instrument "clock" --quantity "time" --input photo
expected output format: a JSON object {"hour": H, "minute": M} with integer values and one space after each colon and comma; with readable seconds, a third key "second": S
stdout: {"hour": 11, "minute": 46}
